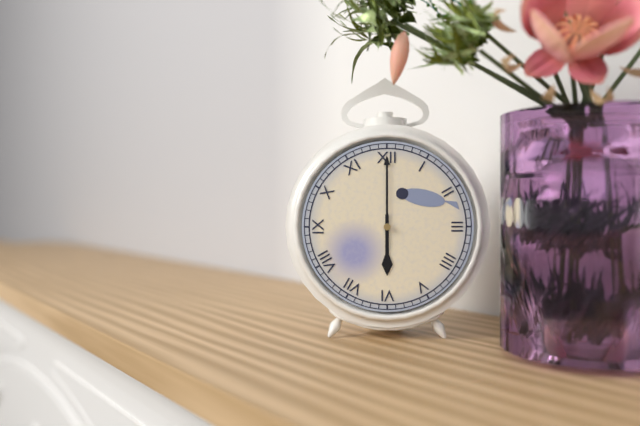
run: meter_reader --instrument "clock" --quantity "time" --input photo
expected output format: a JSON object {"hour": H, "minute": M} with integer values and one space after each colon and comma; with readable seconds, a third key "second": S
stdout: {"hour": 6, "minute": 0}
